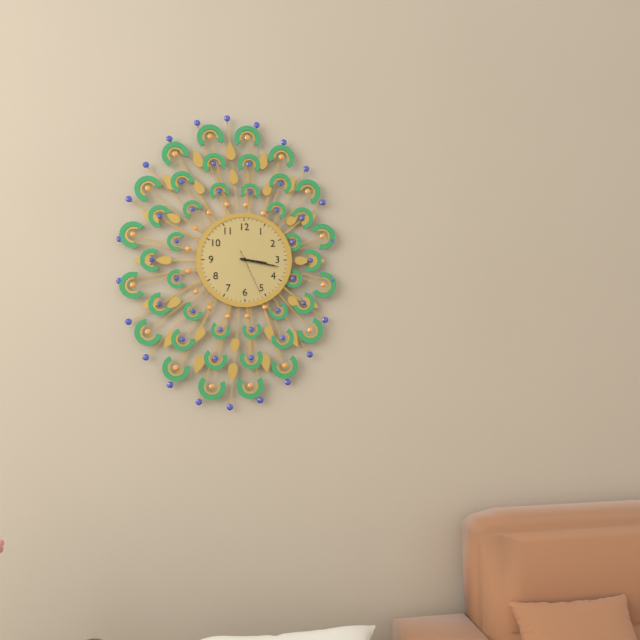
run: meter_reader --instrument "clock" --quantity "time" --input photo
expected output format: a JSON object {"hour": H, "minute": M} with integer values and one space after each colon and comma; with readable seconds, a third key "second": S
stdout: {"hour": 3, "minute": 17}
